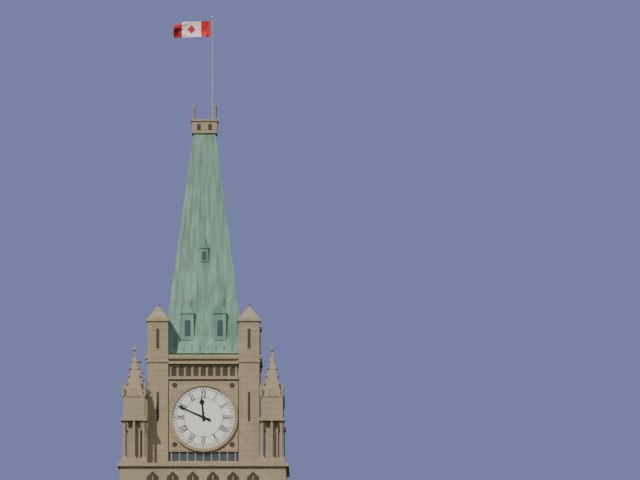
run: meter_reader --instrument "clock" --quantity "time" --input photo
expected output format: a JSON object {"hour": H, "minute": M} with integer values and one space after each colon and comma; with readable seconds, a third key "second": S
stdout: {"hour": 11, "minute": 49}
